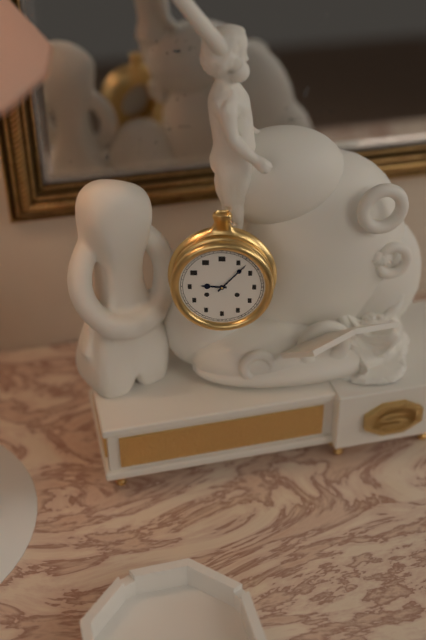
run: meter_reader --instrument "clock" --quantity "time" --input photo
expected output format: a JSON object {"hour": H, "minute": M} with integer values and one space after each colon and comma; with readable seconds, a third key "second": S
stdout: {"hour": 9, "minute": 7}
